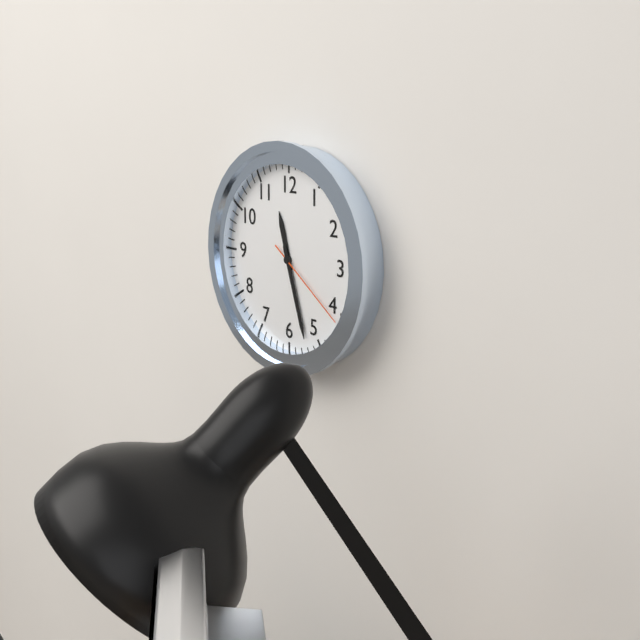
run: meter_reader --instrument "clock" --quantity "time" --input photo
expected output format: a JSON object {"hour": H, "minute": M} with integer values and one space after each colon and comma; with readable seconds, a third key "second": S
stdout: {"hour": 11, "minute": 27, "second": 21}
